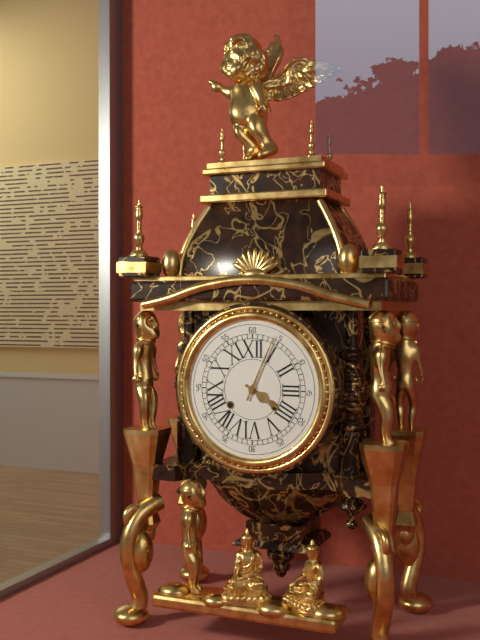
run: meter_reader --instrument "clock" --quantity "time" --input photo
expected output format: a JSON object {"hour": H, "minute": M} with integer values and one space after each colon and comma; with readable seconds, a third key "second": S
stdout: {"hour": 4, "minute": 4}
